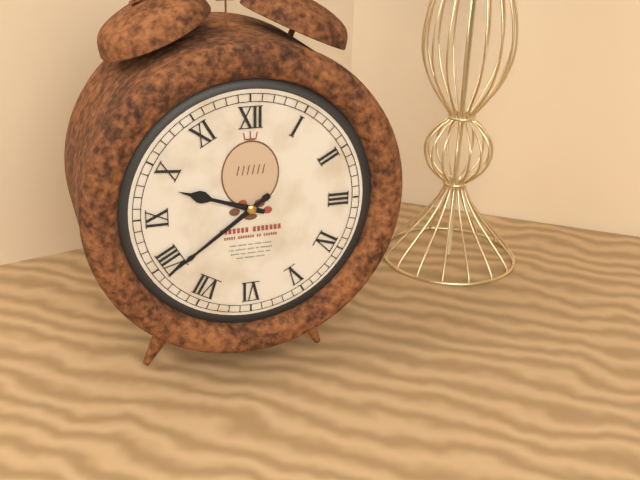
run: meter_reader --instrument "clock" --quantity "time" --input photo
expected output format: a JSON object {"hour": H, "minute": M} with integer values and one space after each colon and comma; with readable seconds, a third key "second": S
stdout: {"hour": 9, "minute": 39}
